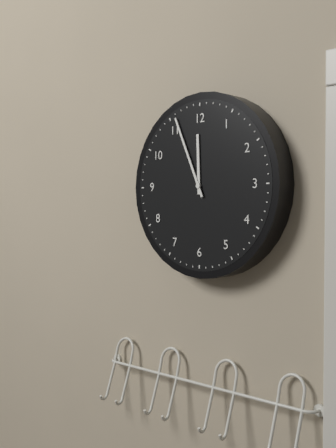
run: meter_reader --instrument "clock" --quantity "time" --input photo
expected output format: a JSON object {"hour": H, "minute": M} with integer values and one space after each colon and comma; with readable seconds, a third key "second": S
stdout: {"hour": 11, "minute": 56}
